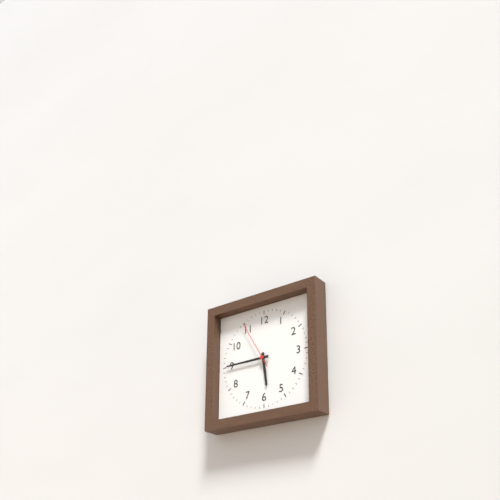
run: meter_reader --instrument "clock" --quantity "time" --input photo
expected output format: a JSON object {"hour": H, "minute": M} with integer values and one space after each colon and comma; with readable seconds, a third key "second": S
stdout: {"hour": 5, "minute": 45}
